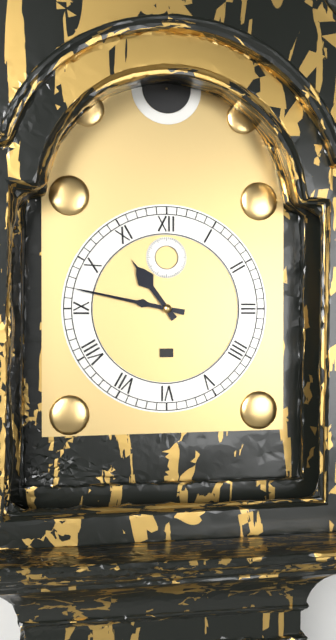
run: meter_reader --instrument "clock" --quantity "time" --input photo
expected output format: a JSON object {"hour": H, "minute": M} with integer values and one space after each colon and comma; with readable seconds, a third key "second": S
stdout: {"hour": 10, "minute": 47}
